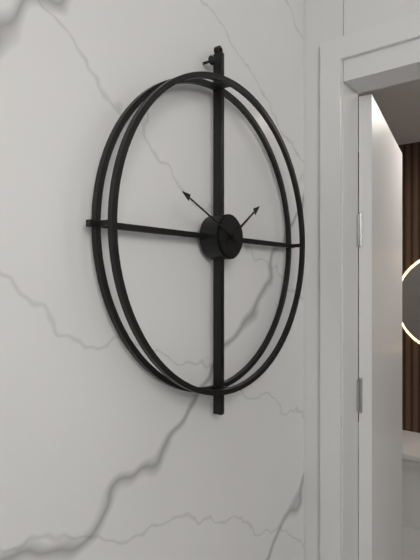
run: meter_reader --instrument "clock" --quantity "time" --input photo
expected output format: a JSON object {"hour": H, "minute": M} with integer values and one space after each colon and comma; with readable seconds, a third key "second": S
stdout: {"hour": 1, "minute": 49}
